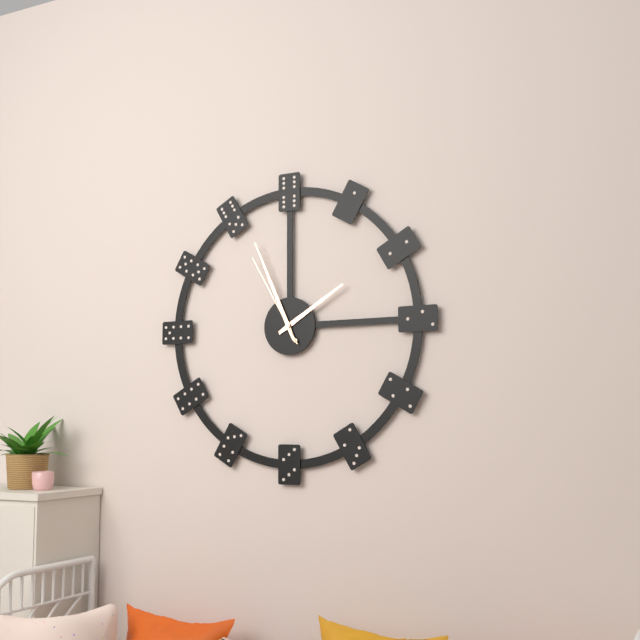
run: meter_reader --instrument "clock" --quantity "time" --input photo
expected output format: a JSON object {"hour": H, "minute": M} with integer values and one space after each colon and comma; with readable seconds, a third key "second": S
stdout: {"hour": 1, "minute": 56, "second": 55}
